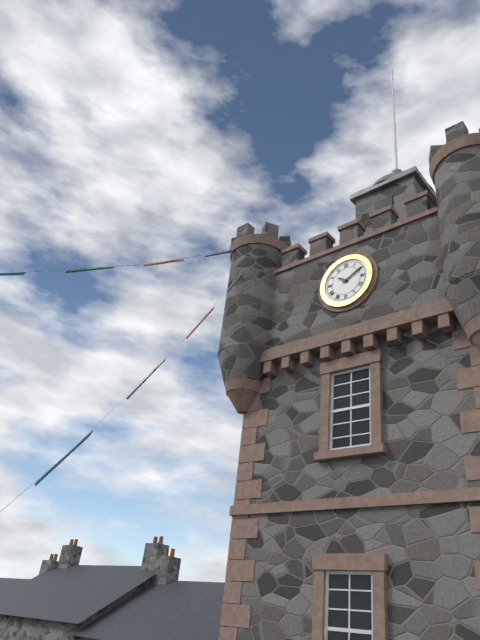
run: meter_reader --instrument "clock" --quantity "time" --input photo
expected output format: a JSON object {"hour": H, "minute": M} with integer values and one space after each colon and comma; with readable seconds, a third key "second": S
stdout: {"hour": 10, "minute": 10}
